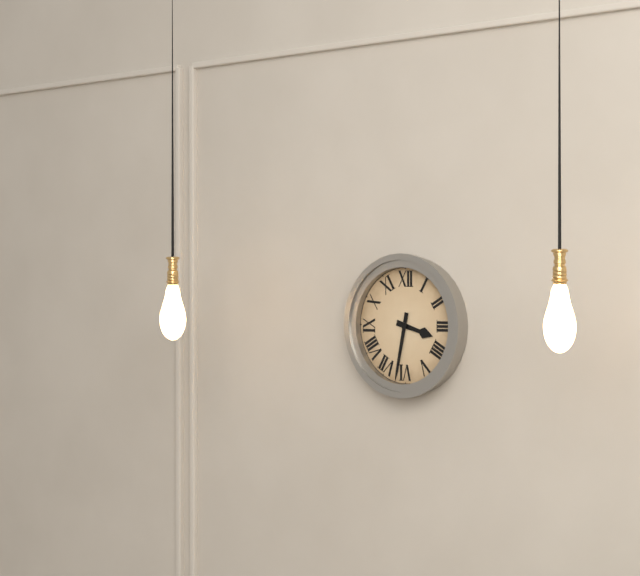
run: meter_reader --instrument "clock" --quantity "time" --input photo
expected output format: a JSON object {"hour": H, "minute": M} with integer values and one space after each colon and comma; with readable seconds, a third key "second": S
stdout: {"hour": 3, "minute": 32}
